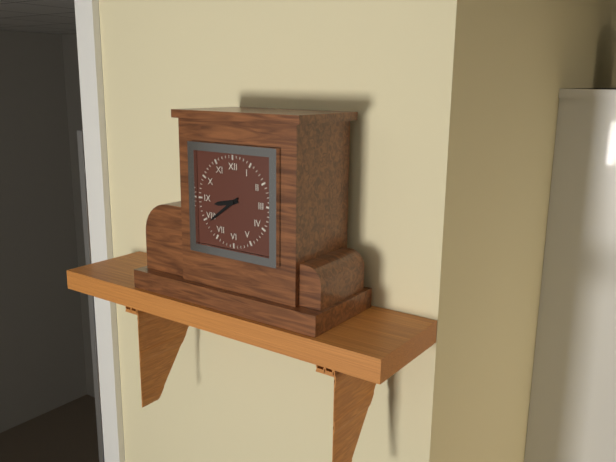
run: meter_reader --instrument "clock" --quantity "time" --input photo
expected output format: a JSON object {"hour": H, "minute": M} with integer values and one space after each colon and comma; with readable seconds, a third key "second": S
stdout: {"hour": 8, "minute": 39}
